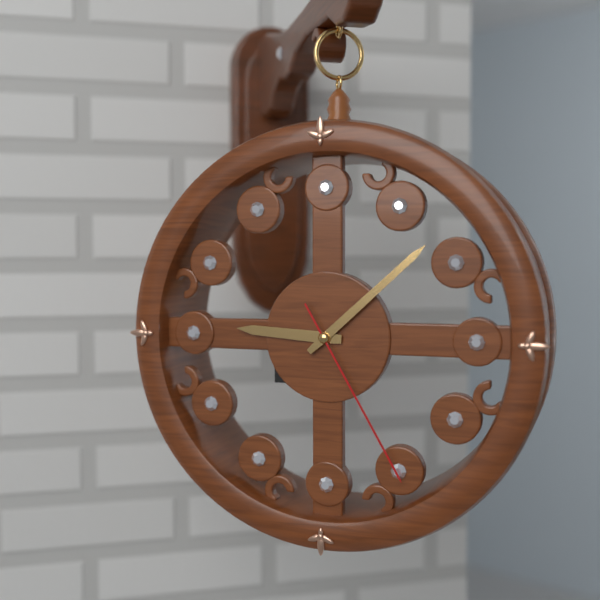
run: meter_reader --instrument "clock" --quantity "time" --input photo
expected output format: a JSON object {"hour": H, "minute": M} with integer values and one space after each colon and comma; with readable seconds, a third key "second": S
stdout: {"hour": 9, "minute": 8, "second": 25}
